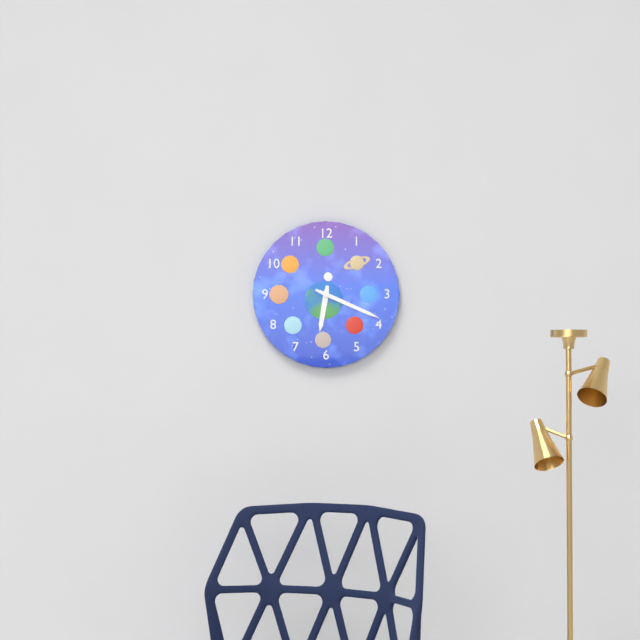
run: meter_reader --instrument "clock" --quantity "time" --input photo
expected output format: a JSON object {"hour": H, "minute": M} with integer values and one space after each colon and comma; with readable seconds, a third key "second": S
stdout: {"hour": 6, "minute": 19}
